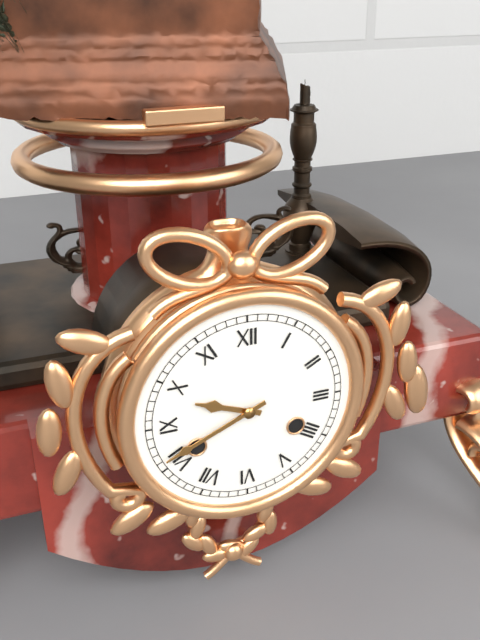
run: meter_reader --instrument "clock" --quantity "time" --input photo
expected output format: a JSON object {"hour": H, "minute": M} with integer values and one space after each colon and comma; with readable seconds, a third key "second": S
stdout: {"hour": 9, "minute": 41}
